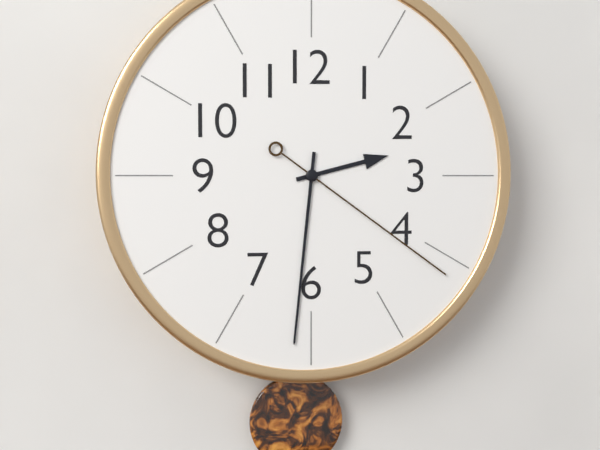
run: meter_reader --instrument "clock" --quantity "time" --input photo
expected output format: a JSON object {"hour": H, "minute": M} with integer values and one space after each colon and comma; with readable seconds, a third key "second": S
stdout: {"hour": 2, "minute": 31, "second": 21}
